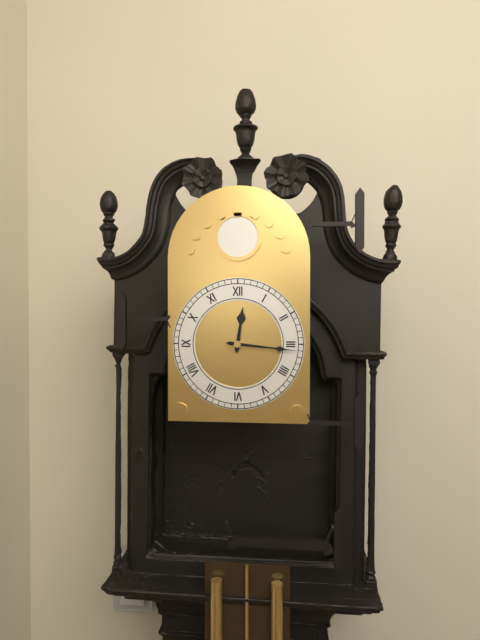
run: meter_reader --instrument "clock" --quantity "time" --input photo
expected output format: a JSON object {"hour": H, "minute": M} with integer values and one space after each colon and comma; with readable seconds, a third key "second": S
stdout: {"hour": 12, "minute": 16}
